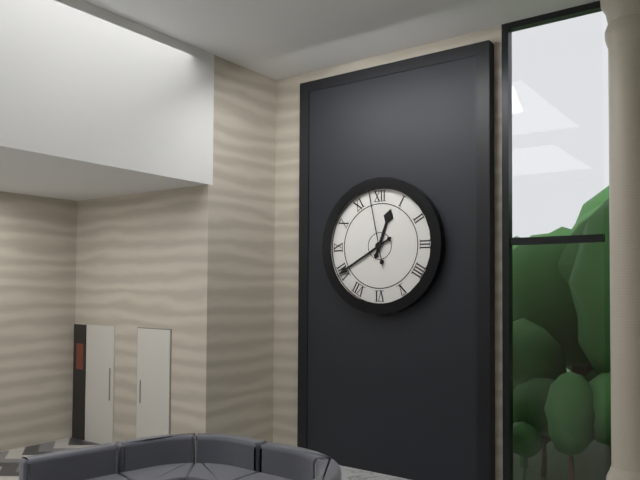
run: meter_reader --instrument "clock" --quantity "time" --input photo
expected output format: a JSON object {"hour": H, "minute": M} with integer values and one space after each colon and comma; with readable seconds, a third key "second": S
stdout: {"hour": 12, "minute": 40, "second": 58}
